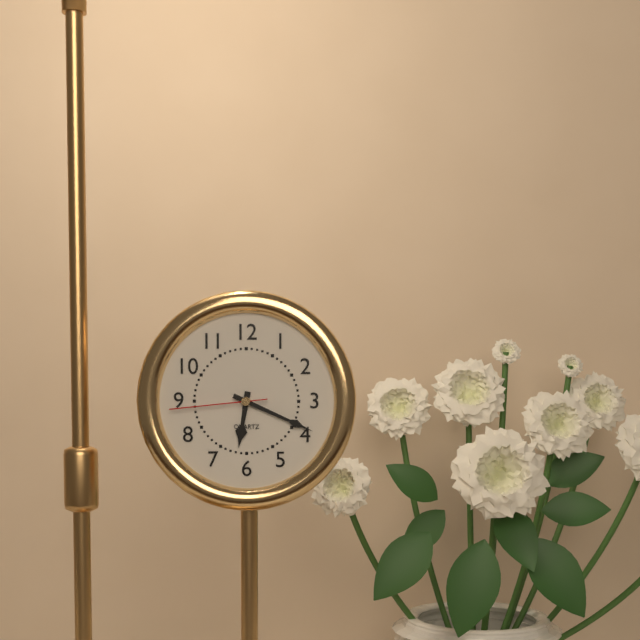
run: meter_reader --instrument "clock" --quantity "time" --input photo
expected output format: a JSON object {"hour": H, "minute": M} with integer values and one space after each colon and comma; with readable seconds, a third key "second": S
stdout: {"hour": 6, "minute": 19, "second": 44}
